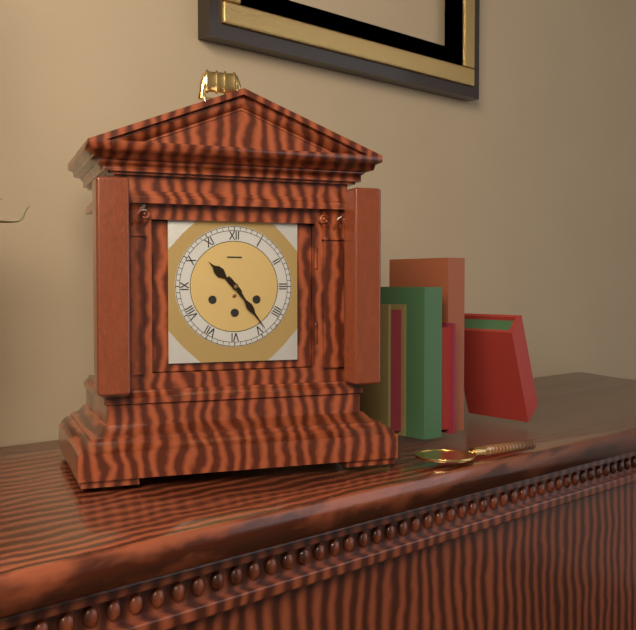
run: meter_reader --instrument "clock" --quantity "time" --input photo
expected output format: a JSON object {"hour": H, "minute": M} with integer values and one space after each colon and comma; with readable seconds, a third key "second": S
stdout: {"hour": 10, "minute": 24}
